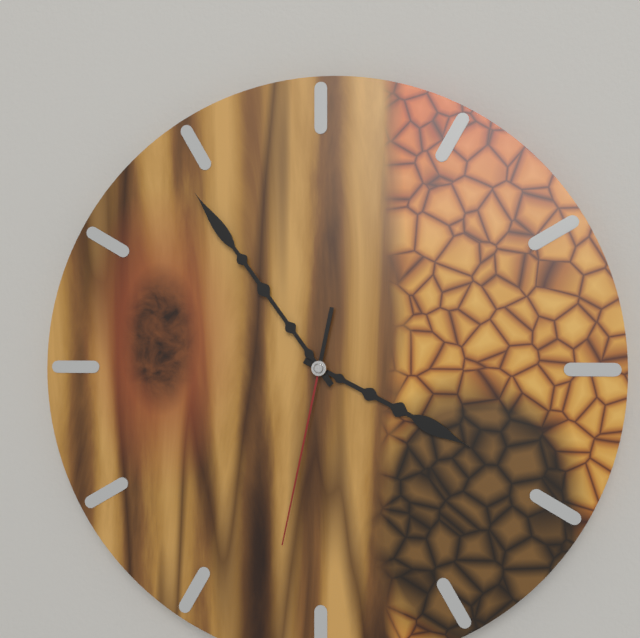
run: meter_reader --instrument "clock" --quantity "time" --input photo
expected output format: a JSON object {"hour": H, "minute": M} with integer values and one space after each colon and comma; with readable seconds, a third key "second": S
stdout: {"hour": 3, "minute": 54, "second": 32}
